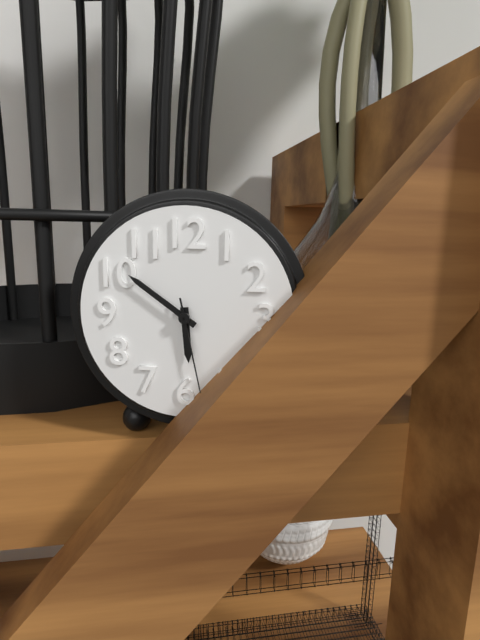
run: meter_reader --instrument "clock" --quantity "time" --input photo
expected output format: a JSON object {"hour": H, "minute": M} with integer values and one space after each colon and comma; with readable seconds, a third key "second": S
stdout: {"hour": 5, "minute": 51, "second": 28}
